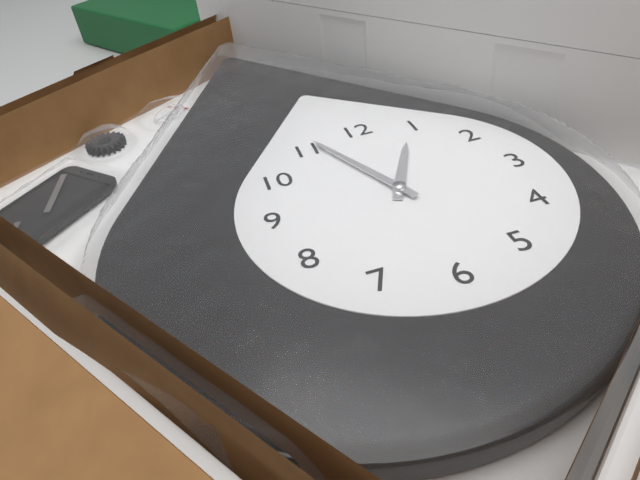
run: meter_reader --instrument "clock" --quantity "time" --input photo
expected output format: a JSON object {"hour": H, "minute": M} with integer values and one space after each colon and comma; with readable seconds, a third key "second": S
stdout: {"hour": 12, "minute": 56}
